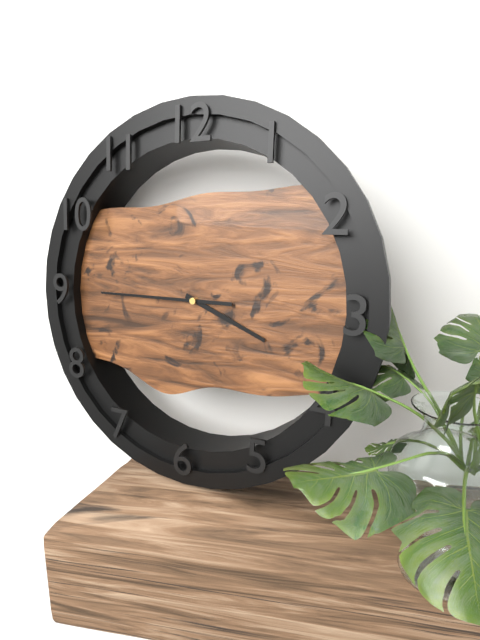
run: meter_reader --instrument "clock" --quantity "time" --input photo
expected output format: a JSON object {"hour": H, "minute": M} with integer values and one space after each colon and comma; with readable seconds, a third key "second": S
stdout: {"hour": 3, "minute": 45}
